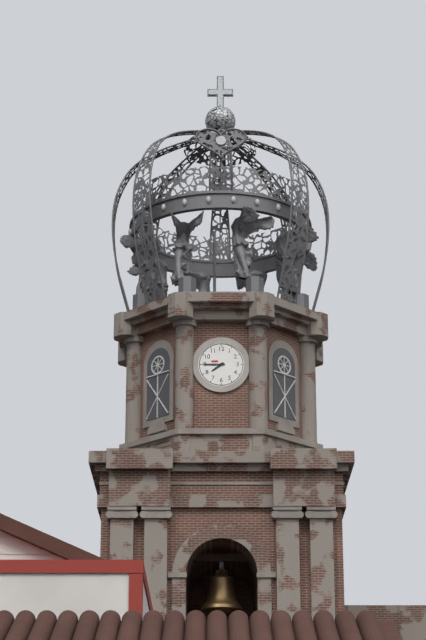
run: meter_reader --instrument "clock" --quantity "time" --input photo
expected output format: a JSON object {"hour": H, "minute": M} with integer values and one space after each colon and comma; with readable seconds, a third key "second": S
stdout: {"hour": 7, "minute": 45}
